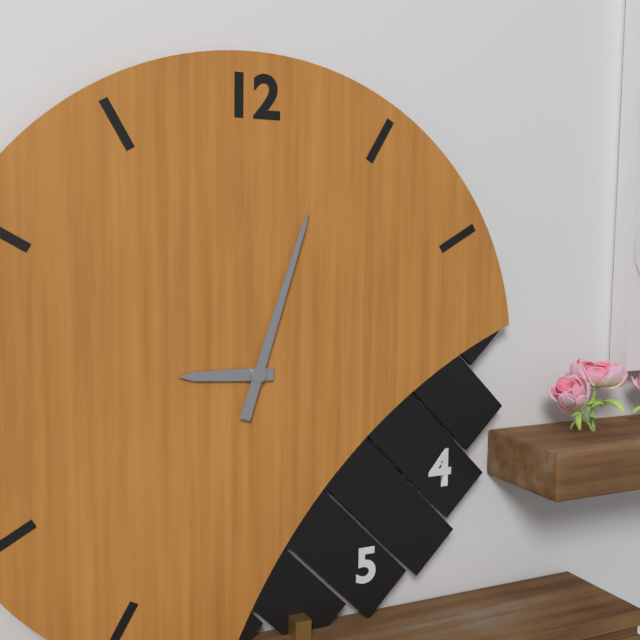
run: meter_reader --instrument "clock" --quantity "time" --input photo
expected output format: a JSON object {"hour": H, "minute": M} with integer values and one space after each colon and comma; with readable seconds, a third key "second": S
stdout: {"hour": 9, "minute": 3}
